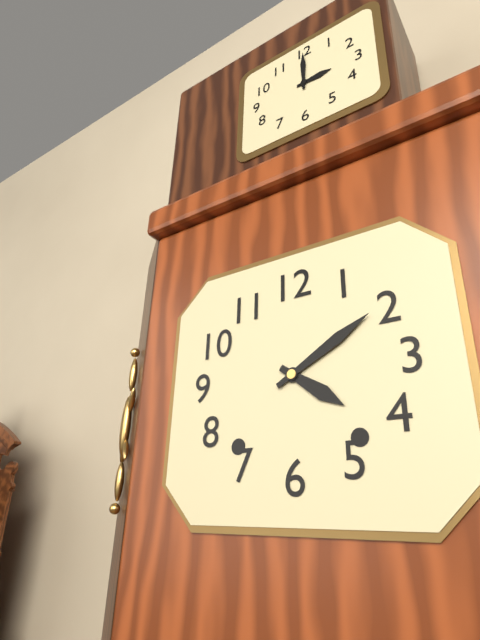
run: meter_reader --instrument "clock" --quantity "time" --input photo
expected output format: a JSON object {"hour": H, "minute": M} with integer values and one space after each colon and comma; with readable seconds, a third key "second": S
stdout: {"hour": 4, "minute": 10}
